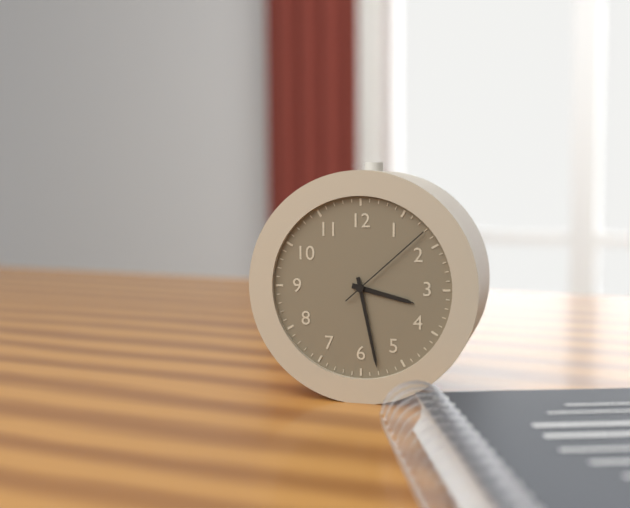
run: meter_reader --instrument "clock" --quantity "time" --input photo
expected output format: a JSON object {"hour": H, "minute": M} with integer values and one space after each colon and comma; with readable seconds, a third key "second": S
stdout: {"hour": 3, "minute": 28, "second": 8}
